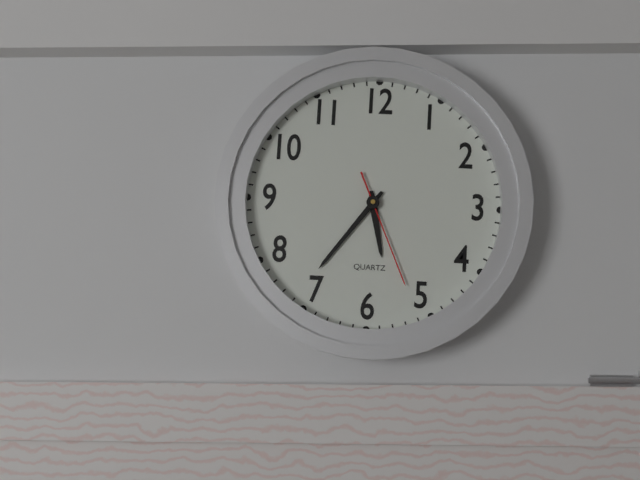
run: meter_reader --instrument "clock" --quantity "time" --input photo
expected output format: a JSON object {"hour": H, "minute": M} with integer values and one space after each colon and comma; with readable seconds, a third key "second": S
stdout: {"hour": 5, "minute": 36, "second": 26}
